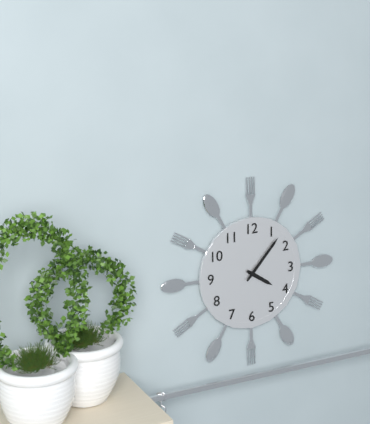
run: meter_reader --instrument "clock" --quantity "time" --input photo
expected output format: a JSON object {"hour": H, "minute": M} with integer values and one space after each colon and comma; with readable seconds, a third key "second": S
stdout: {"hour": 4, "minute": 7}
